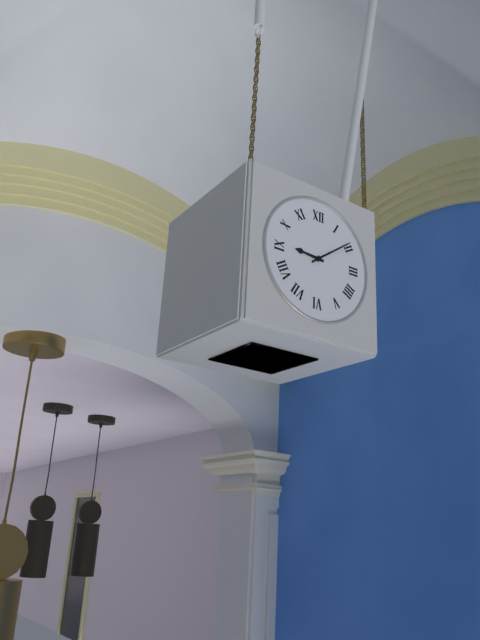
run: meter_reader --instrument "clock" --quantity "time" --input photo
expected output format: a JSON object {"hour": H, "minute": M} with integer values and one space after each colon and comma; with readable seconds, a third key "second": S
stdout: {"hour": 9, "minute": 9}
